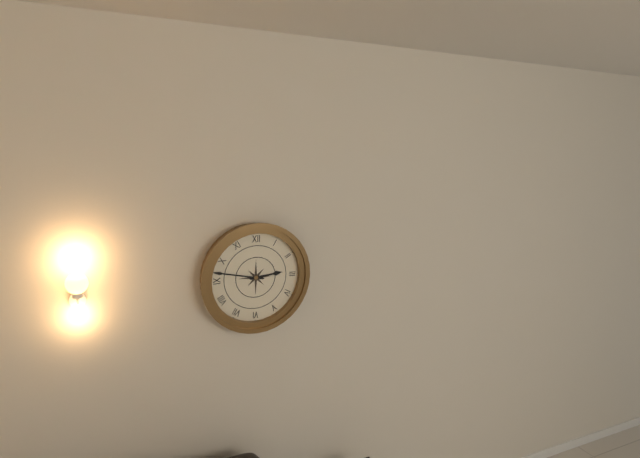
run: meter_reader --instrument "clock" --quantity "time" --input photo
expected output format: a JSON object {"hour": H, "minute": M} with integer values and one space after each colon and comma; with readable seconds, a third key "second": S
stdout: {"hour": 2, "minute": 47}
